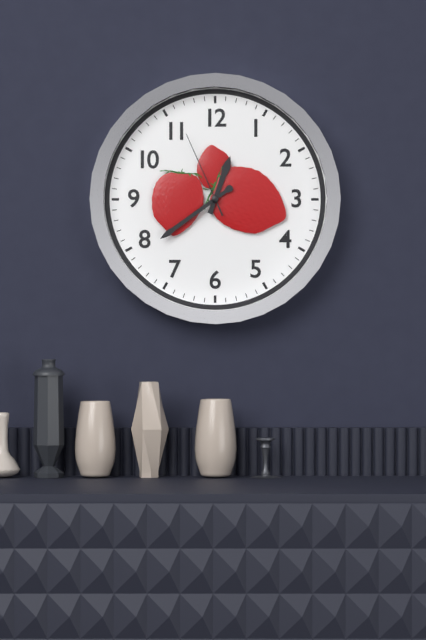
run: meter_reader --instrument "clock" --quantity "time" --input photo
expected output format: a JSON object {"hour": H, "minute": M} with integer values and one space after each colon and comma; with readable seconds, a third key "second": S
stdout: {"hour": 12, "minute": 39, "second": 56}
